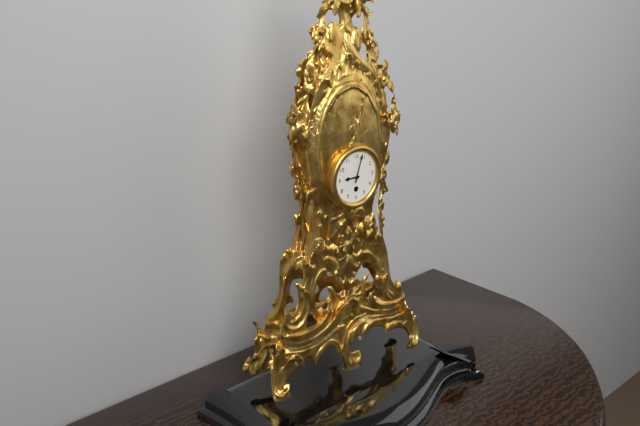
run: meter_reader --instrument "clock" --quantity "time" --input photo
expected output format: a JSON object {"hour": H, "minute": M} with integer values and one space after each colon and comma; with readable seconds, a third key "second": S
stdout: {"hour": 9, "minute": 3}
